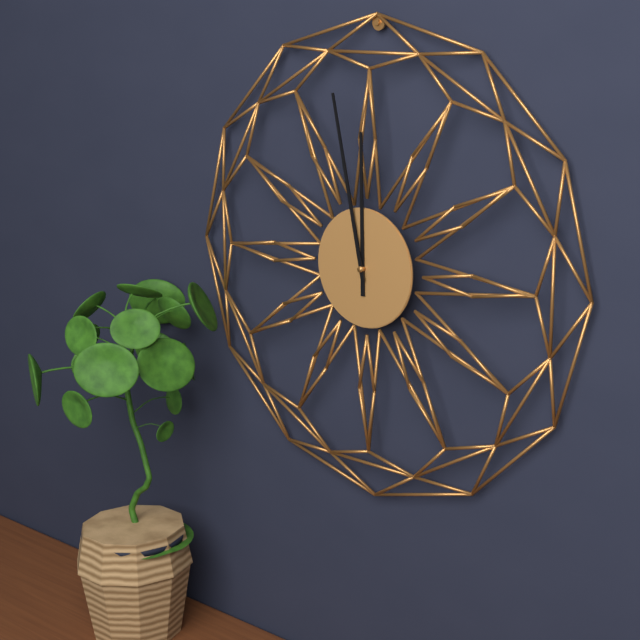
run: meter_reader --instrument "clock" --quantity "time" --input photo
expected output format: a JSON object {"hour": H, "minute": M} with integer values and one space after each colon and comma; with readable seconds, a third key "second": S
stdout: {"hour": 11, "minute": 58}
